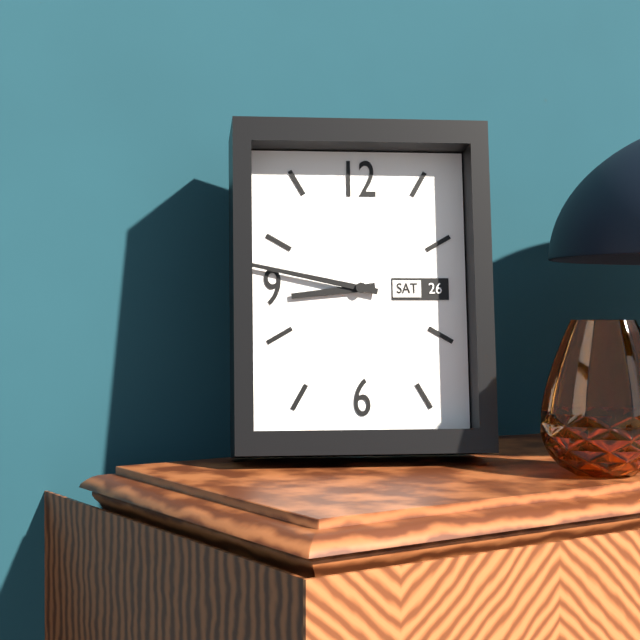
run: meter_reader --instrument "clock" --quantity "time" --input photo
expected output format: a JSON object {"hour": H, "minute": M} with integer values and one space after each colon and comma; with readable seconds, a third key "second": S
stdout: {"hour": 8, "minute": 47}
